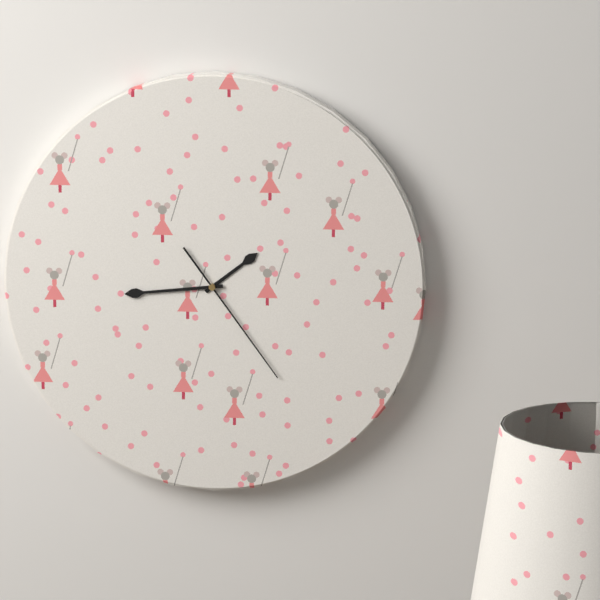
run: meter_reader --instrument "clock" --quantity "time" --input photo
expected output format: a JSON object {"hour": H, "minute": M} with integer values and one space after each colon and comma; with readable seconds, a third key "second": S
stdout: {"hour": 1, "minute": 44, "second": 24}
